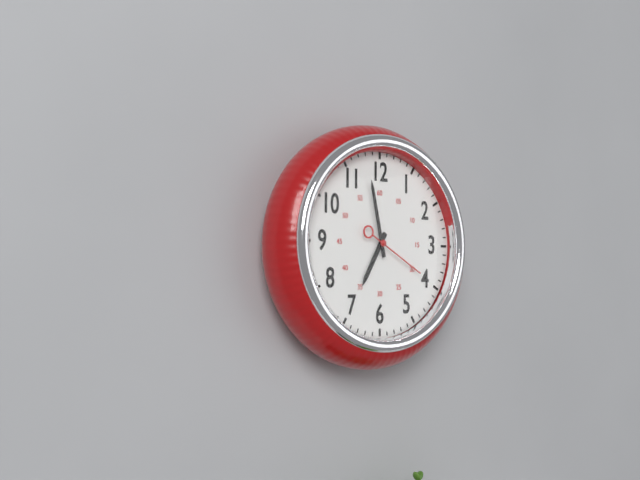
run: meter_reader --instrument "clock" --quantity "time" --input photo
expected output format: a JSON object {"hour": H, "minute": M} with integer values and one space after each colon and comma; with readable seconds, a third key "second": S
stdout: {"hour": 6, "minute": 58, "second": 20}
